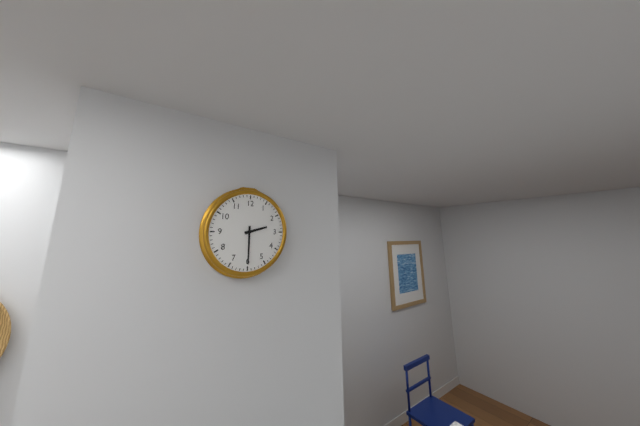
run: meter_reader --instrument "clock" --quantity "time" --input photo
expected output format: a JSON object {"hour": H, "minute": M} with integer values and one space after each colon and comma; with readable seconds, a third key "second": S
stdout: {"hour": 2, "minute": 30}
